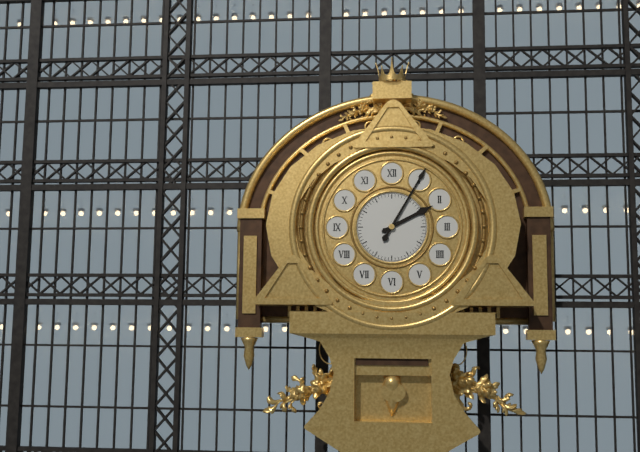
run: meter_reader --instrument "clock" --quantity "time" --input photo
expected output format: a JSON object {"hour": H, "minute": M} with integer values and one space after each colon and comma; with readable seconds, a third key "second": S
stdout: {"hour": 2, "minute": 5}
